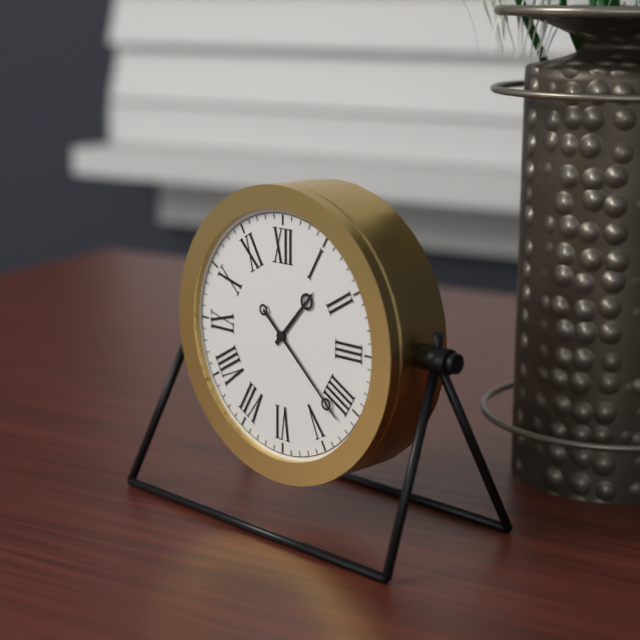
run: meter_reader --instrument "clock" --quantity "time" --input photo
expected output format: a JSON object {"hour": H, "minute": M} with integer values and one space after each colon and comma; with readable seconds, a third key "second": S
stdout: {"hour": 1, "minute": 22}
